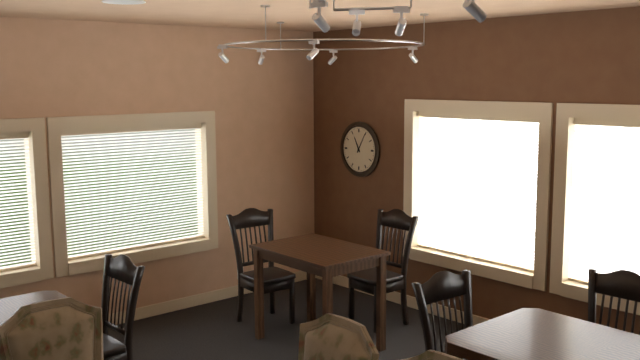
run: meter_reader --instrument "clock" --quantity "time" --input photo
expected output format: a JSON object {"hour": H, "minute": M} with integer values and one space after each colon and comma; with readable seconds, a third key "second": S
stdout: {"hour": 11, "minute": 5}
